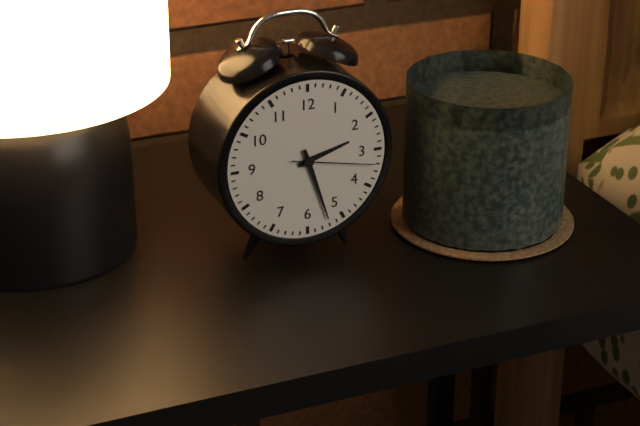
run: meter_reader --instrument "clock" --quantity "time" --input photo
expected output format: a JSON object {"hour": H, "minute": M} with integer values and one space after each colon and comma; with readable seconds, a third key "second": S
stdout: {"hour": 2, "minute": 27, "second": 17}
